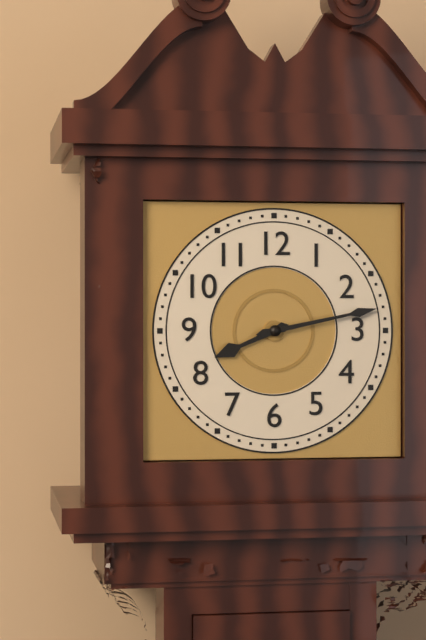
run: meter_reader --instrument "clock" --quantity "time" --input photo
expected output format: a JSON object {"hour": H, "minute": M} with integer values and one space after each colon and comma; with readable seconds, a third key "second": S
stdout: {"hour": 8, "minute": 13}
